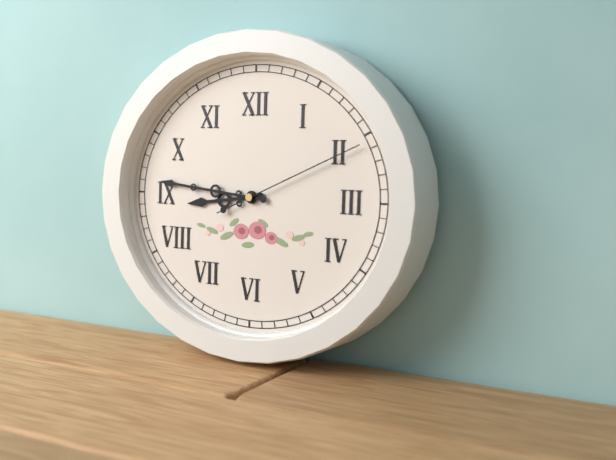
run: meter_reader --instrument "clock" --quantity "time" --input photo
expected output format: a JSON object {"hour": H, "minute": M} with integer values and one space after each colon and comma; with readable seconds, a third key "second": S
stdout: {"hour": 8, "minute": 46, "second": 11}
